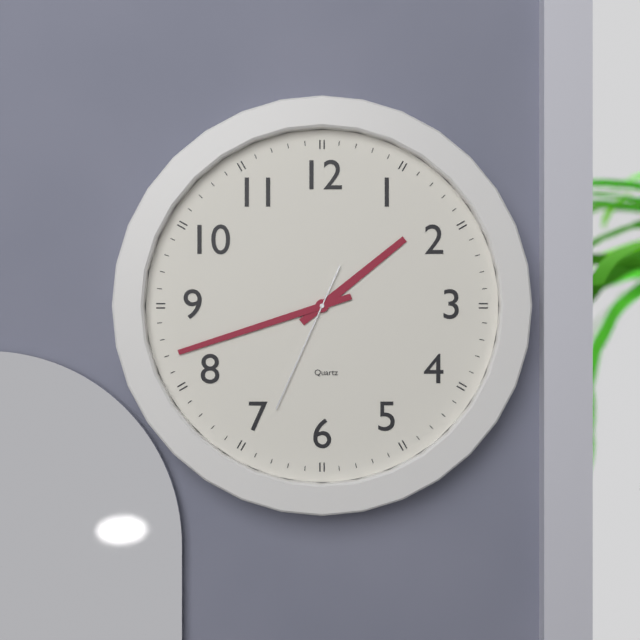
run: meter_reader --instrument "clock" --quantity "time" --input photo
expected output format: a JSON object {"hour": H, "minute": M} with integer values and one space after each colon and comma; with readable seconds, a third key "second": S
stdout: {"hour": 1, "minute": 42, "second": 34}
